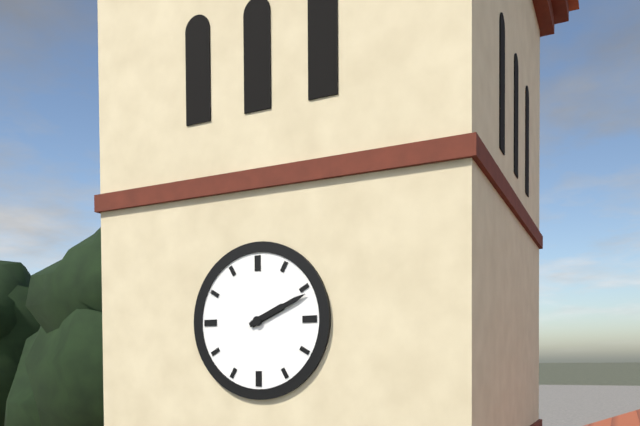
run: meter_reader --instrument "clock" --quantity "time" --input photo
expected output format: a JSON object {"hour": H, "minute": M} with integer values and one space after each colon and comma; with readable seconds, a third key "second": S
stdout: {"hour": 2, "minute": 11}
